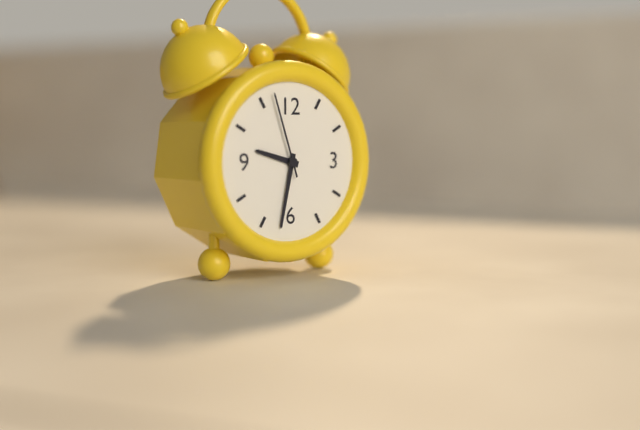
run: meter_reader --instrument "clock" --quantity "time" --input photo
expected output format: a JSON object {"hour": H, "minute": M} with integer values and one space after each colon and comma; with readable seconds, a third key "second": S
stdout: {"hour": 9, "minute": 32, "second": 57}
